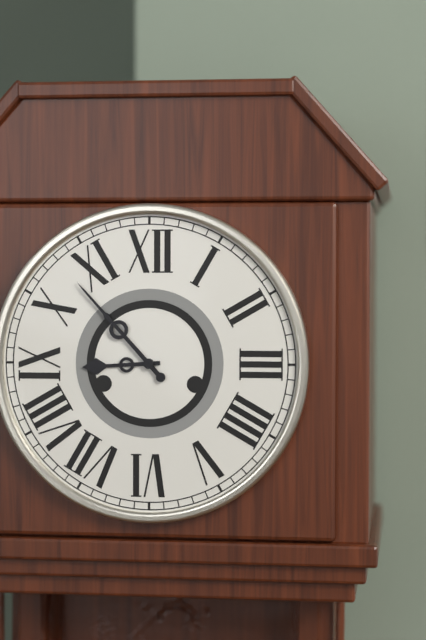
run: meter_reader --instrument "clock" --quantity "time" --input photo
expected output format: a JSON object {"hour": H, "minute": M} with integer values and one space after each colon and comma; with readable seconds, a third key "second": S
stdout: {"hour": 8, "minute": 53}
